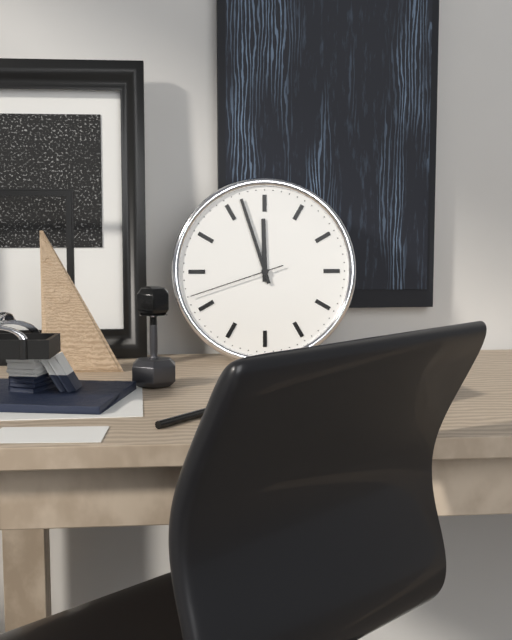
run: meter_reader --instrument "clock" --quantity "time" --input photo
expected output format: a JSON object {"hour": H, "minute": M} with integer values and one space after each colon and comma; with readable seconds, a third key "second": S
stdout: {"hour": 11, "minute": 57, "second": 42}
